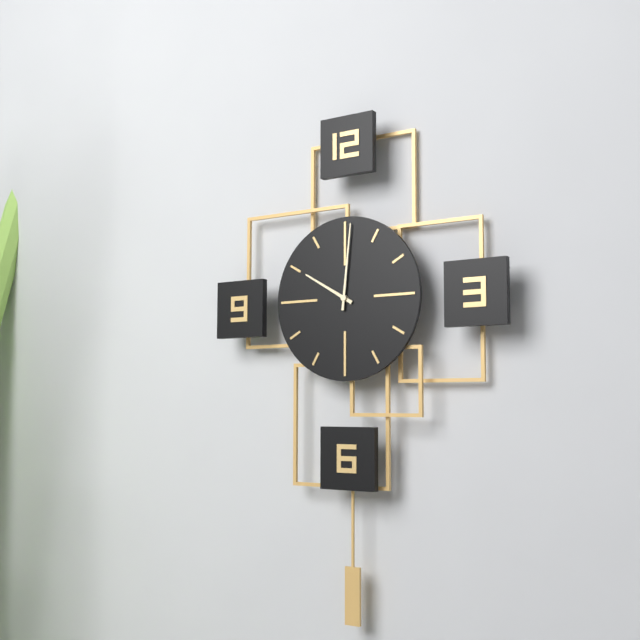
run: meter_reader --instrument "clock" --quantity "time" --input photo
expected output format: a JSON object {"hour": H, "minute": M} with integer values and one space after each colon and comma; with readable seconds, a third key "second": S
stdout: {"hour": 10, "minute": 1}
